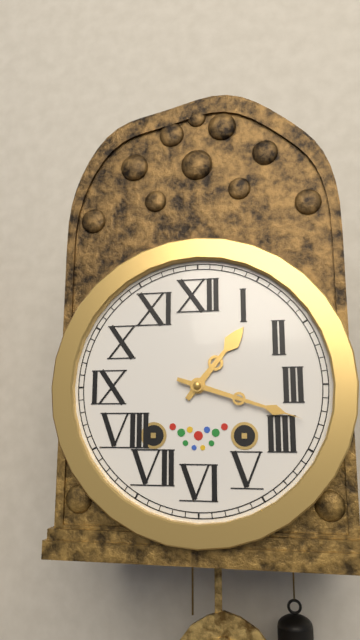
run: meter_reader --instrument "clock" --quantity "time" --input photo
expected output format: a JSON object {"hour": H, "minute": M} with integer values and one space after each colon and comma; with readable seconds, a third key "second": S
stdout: {"hour": 1, "minute": 18}
